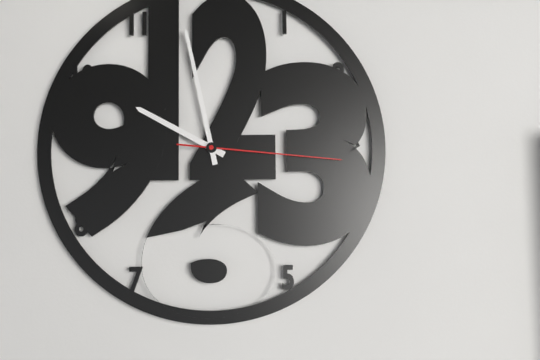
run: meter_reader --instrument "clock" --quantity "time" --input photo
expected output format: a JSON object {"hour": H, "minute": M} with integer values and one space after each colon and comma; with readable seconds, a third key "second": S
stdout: {"hour": 9, "minute": 58, "second": 16}
